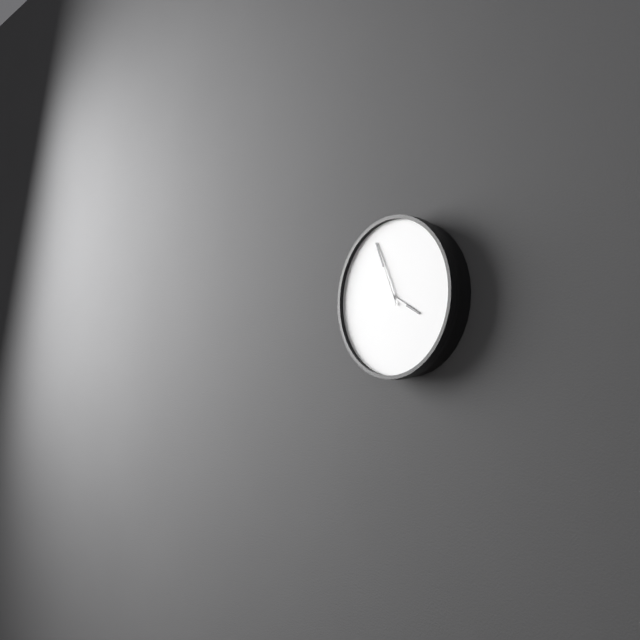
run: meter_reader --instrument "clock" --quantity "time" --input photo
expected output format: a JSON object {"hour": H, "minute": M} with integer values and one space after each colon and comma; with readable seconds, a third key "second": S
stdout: {"hour": 3, "minute": 56}
